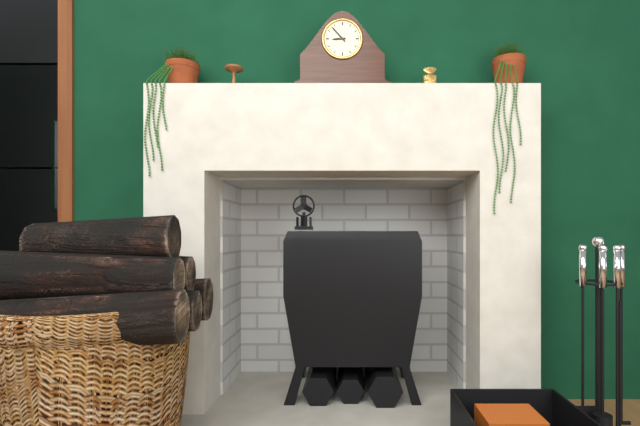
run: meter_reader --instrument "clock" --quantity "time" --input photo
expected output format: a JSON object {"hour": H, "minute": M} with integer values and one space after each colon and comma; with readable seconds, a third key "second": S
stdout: {"hour": 8, "minute": 53}
